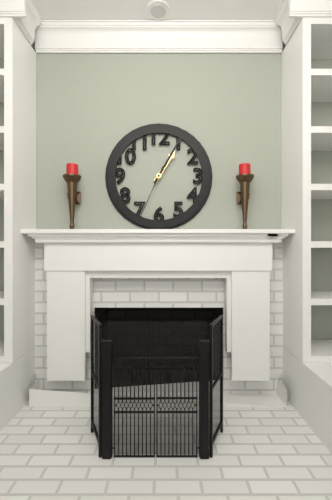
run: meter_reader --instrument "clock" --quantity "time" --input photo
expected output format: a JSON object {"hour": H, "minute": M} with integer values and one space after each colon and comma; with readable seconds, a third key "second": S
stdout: {"hour": 1, "minute": 5, "second": 34}
